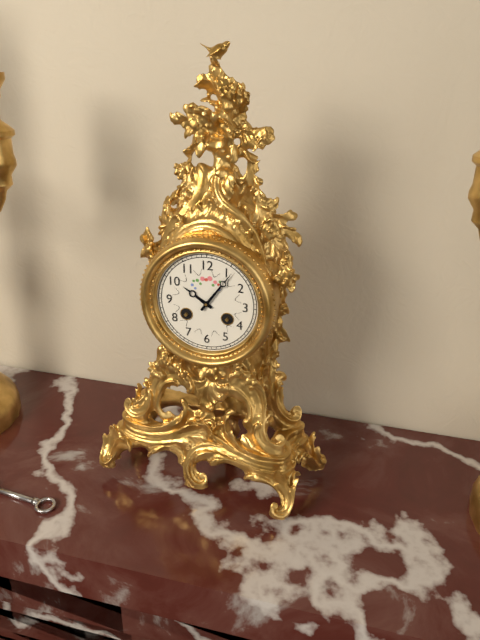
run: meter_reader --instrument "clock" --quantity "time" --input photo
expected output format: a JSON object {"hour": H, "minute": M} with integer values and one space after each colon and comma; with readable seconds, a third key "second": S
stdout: {"hour": 10, "minute": 6}
